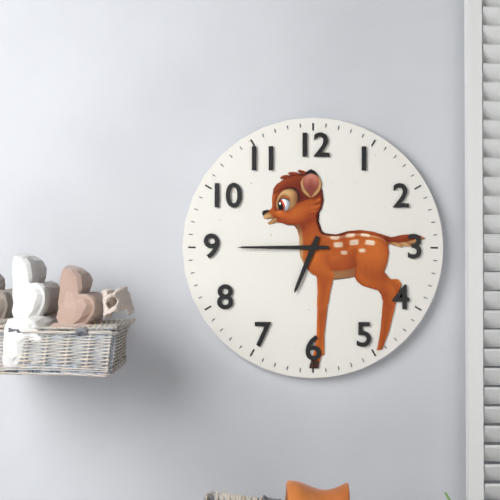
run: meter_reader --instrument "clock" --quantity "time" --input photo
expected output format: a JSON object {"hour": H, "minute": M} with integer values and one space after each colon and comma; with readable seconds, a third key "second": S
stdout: {"hour": 6, "minute": 45}
